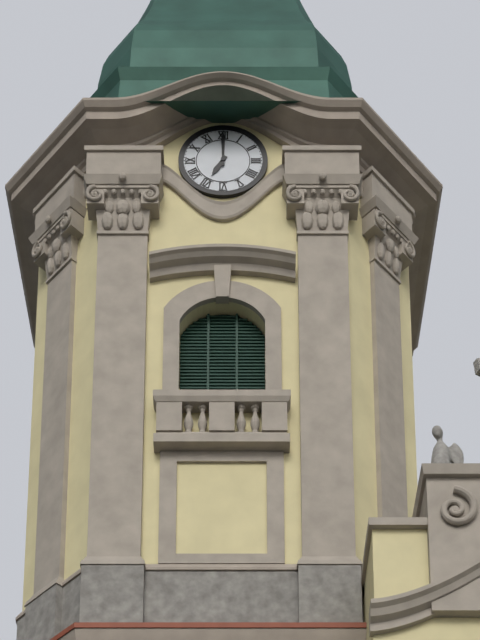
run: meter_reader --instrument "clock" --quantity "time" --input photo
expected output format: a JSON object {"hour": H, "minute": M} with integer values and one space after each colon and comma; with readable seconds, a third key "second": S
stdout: {"hour": 7, "minute": 0}
